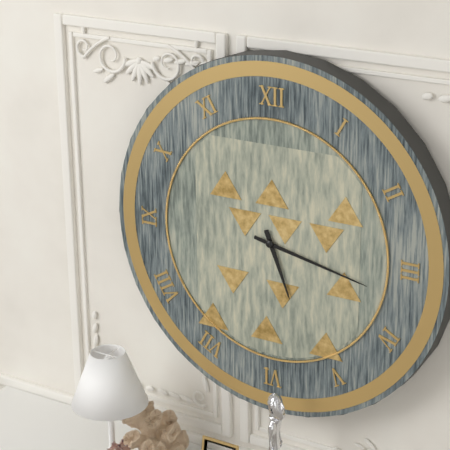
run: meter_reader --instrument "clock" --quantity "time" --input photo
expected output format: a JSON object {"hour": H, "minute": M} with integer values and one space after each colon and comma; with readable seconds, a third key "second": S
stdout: {"hour": 5, "minute": 17}
